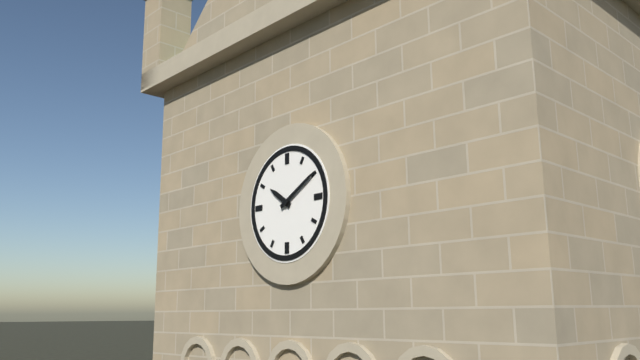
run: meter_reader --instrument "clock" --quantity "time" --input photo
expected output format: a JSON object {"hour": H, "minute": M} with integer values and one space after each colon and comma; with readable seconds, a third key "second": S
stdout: {"hour": 10, "minute": 10}
